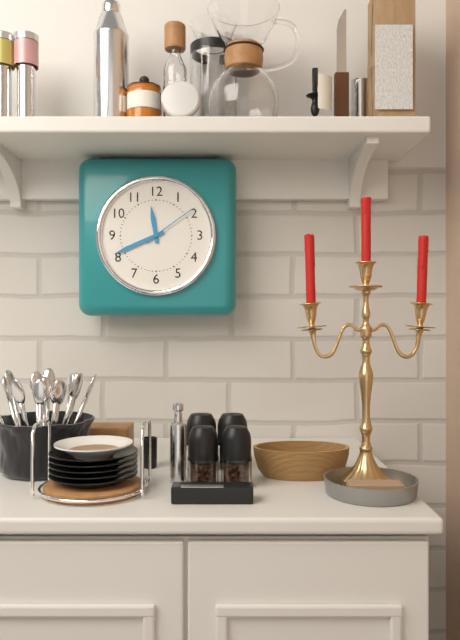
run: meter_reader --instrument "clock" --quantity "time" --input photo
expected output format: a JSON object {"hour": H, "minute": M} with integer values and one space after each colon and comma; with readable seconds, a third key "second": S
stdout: {"hour": 11, "minute": 41, "second": 9}
